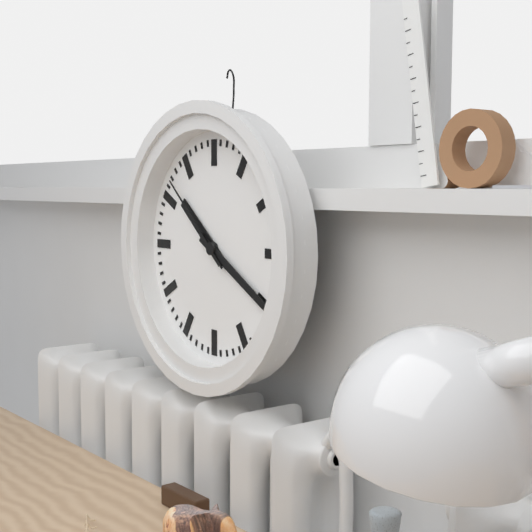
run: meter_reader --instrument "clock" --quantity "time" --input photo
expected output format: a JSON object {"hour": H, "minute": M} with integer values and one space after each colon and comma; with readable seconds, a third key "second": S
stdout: {"hour": 10, "minute": 20, "second": 52}
